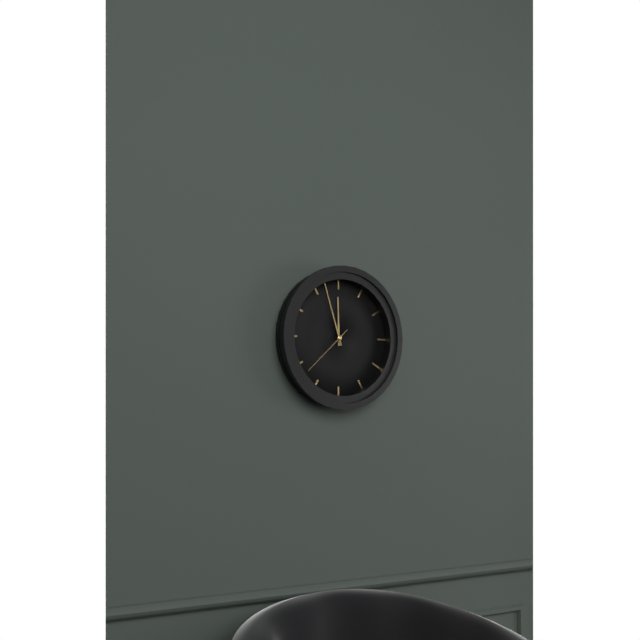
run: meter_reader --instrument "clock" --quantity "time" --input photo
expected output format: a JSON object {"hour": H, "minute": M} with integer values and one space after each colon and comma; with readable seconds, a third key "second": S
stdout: {"hour": 11, "minute": 57, "second": 38}
